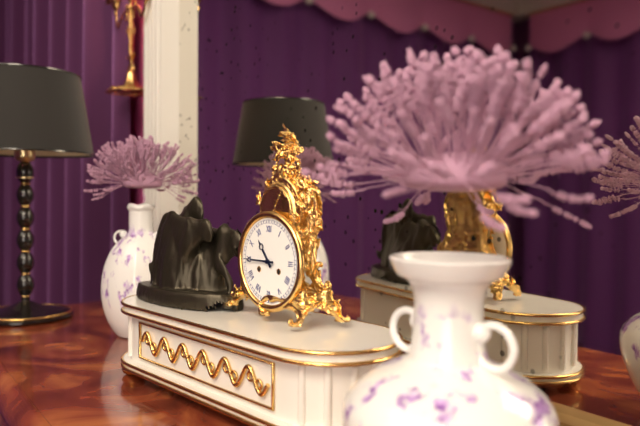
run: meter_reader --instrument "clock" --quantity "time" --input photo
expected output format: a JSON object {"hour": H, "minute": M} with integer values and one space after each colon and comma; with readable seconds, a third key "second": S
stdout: {"hour": 10, "minute": 45}
